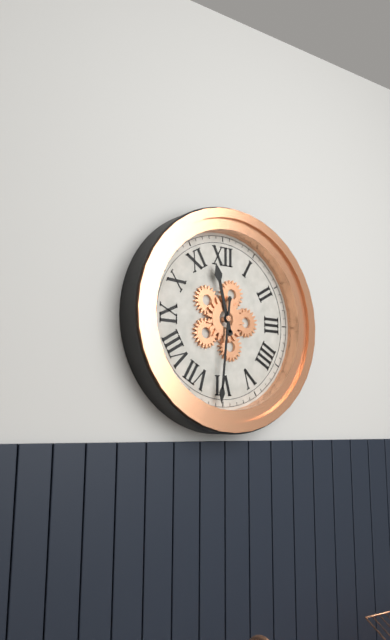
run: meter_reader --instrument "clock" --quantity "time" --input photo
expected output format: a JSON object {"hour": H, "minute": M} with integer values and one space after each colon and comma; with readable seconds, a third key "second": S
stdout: {"hour": 11, "minute": 31}
